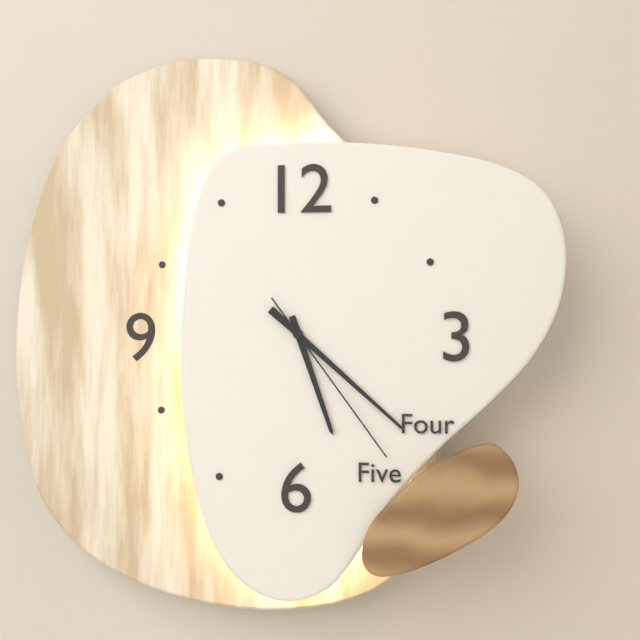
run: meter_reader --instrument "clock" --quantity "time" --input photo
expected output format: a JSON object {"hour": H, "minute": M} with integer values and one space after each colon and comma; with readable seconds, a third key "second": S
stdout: {"hour": 5, "minute": 22, "second": 24}
